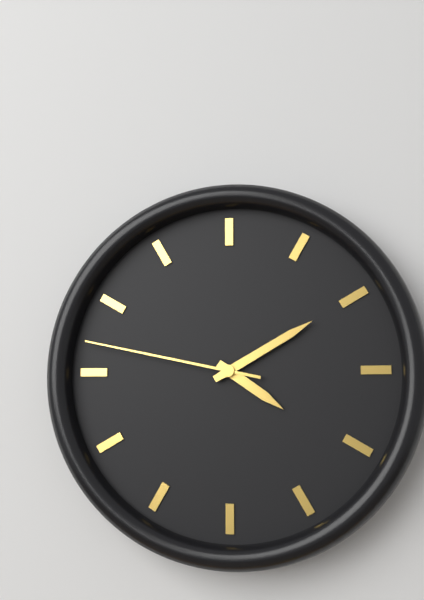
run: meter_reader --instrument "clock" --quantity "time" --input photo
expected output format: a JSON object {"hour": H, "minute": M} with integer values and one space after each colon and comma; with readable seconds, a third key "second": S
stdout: {"hour": 4, "minute": 10, "second": 47}
